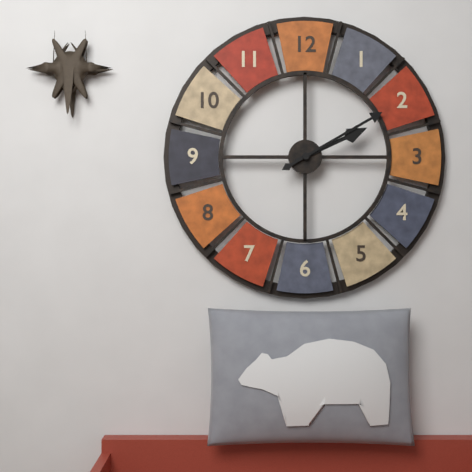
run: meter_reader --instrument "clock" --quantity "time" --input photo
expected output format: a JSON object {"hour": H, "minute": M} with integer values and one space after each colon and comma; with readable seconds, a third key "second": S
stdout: {"hour": 2, "minute": 10}
